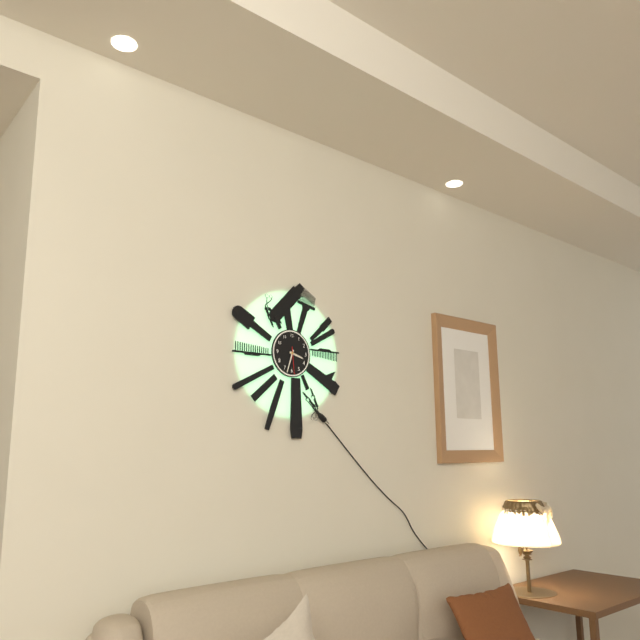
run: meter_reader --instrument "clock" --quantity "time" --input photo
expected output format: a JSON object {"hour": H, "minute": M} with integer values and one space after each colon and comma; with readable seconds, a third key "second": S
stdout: {"hour": 3, "minute": 33}
